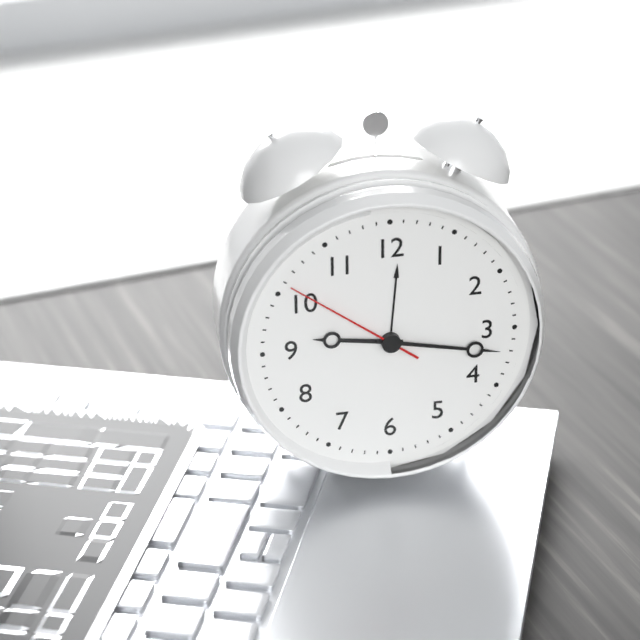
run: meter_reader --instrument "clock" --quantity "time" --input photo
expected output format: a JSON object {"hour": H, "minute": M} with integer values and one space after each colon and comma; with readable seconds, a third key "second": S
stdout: {"hour": 9, "minute": 17, "second": 51}
